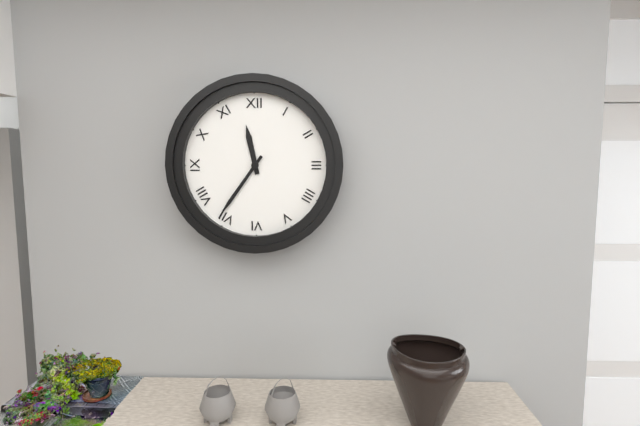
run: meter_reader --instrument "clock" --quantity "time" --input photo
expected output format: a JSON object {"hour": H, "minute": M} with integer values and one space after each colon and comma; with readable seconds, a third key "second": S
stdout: {"hour": 11, "minute": 36}
